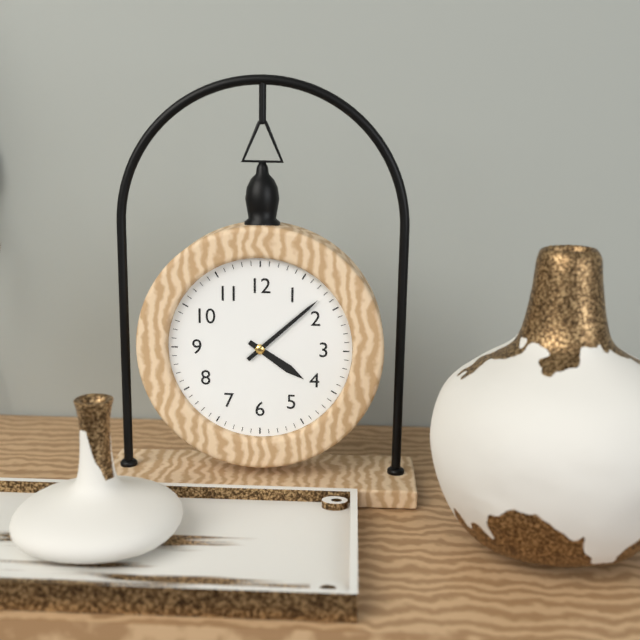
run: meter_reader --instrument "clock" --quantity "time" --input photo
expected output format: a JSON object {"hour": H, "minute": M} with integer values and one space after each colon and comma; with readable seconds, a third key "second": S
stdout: {"hour": 4, "minute": 8}
